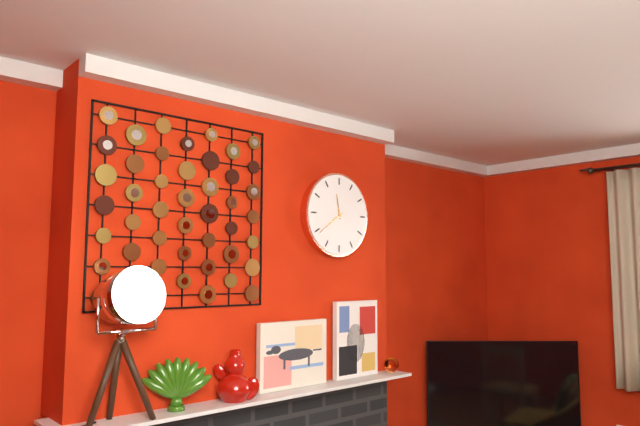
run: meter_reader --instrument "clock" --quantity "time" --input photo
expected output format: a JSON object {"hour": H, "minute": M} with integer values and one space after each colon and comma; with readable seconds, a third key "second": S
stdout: {"hour": 11, "minute": 39}
